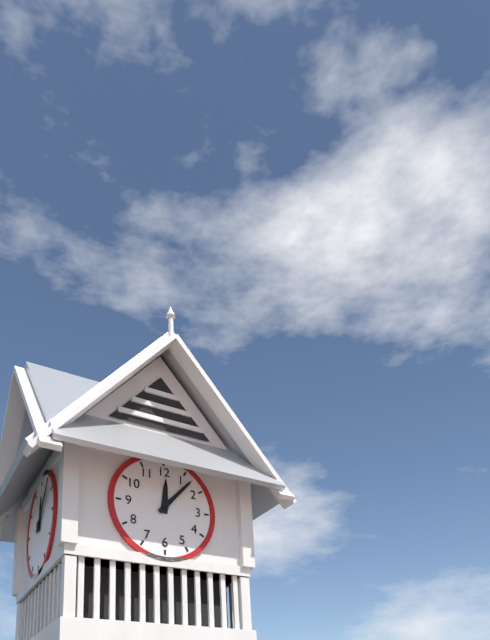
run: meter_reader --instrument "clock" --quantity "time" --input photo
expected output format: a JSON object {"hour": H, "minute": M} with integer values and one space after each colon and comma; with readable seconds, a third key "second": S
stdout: {"hour": 12, "minute": 7}
